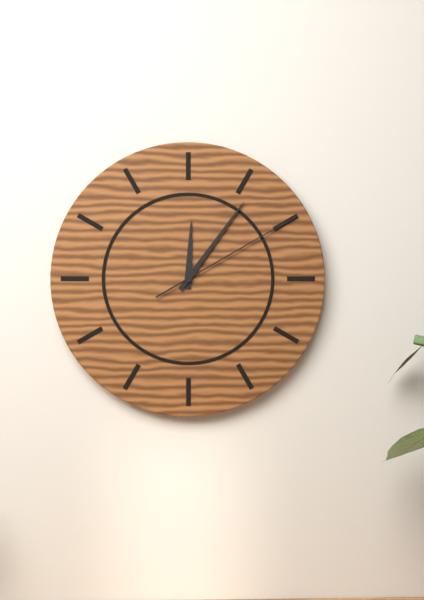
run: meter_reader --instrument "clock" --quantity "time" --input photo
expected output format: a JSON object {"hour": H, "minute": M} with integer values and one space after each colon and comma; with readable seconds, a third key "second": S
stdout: {"hour": 12, "minute": 6, "second": 10}
